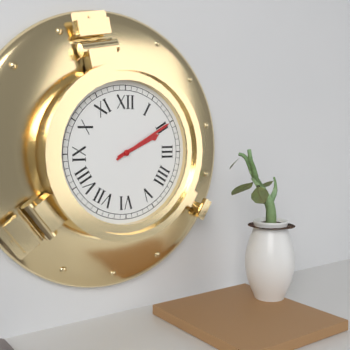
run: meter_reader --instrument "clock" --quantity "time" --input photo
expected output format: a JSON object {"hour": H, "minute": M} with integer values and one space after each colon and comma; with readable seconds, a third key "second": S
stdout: {"hour": 2, "minute": 10}
